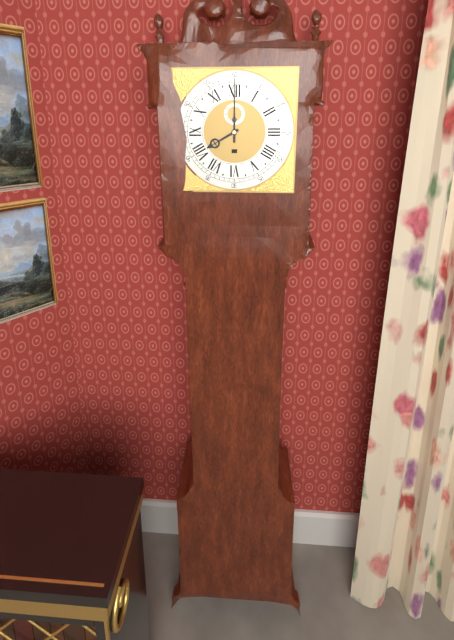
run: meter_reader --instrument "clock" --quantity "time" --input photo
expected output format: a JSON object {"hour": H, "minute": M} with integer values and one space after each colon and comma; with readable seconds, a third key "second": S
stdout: {"hour": 8, "minute": 0}
